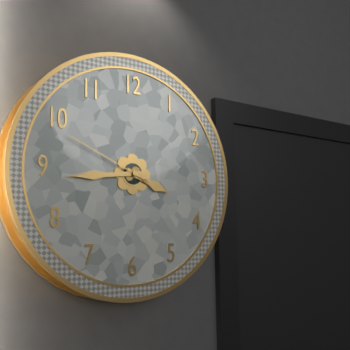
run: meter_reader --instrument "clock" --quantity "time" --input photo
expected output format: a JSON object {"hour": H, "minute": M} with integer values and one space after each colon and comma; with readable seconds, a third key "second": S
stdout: {"hour": 3, "minute": 44, "second": 49}
